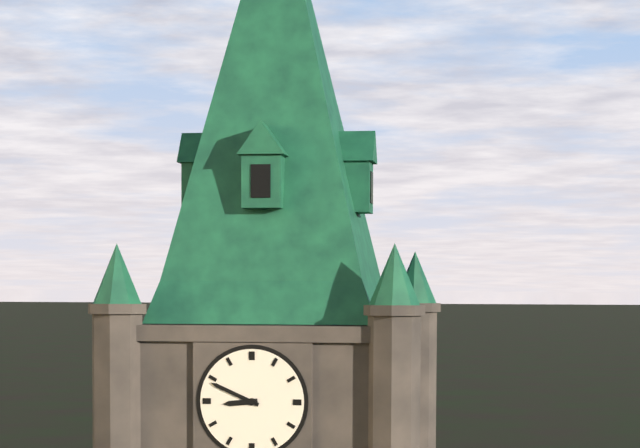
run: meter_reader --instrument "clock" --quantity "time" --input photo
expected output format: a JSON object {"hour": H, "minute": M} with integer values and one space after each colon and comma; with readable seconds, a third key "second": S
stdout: {"hour": 8, "minute": 49}
